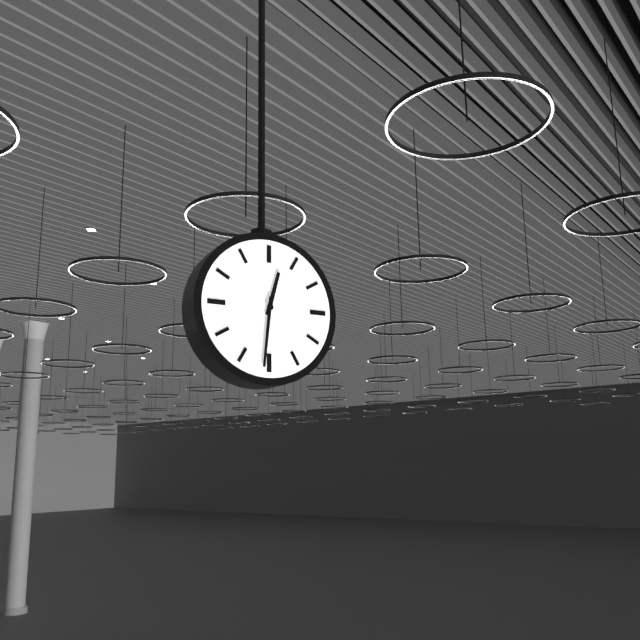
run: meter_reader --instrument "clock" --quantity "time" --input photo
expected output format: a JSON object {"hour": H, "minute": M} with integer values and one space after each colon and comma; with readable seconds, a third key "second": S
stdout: {"hour": 12, "minute": 31}
